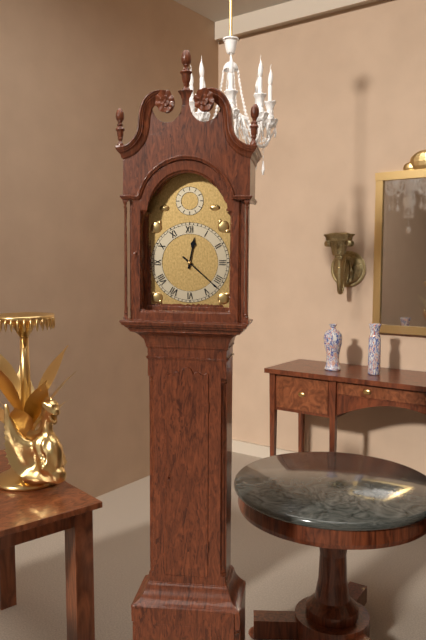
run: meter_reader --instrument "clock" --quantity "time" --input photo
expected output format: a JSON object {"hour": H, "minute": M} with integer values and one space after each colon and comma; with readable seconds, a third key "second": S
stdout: {"hour": 12, "minute": 22}
